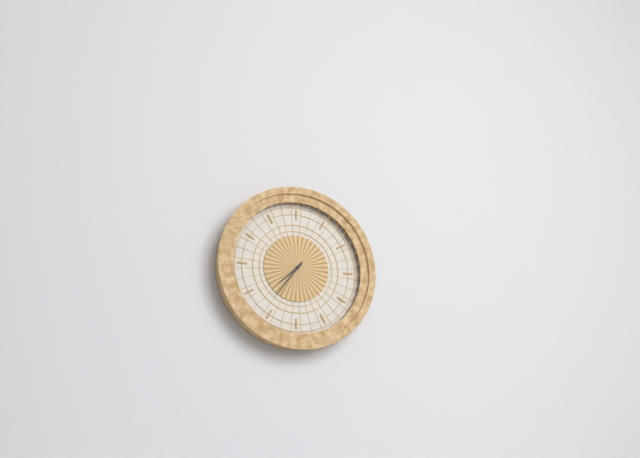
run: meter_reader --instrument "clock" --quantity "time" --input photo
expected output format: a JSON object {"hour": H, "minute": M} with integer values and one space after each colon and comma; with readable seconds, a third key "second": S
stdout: {"hour": 7, "minute": 36}
